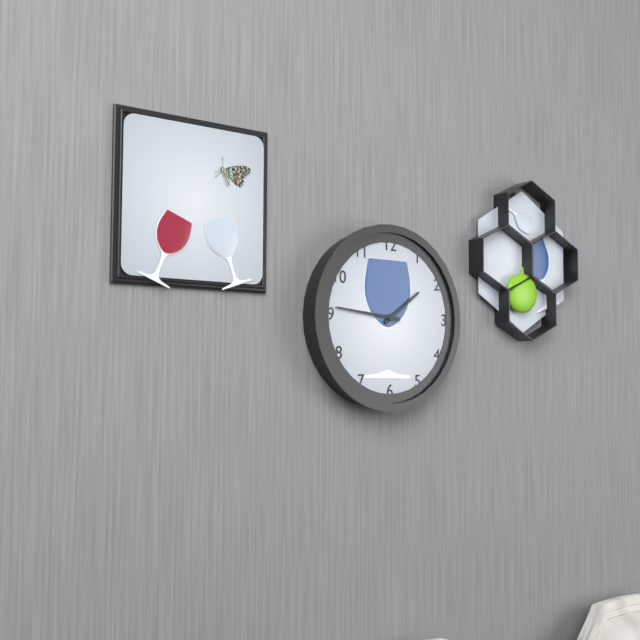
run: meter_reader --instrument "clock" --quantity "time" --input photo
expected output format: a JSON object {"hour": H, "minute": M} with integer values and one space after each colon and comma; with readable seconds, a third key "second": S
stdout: {"hour": 1, "minute": 46}
